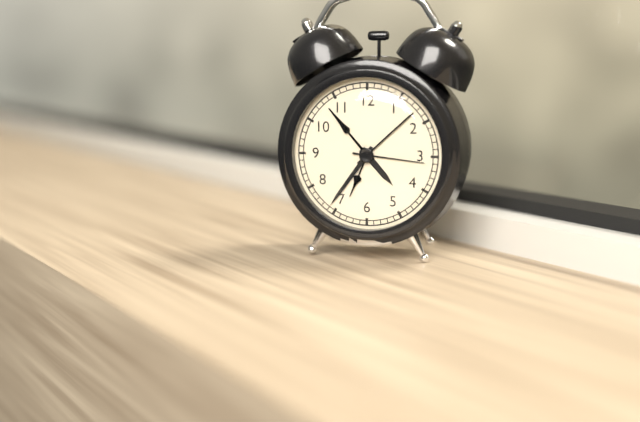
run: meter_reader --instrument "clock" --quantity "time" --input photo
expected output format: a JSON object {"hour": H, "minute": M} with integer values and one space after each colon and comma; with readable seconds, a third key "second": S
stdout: {"hour": 4, "minute": 36, "second": 16}
